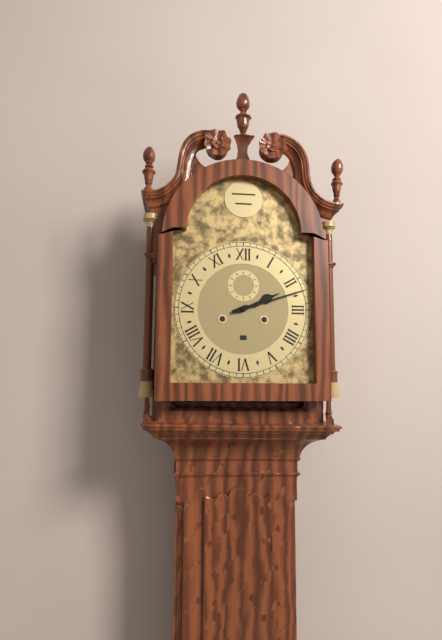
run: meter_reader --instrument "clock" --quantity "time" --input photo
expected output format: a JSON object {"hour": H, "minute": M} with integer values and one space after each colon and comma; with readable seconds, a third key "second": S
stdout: {"hour": 2, "minute": 12}
